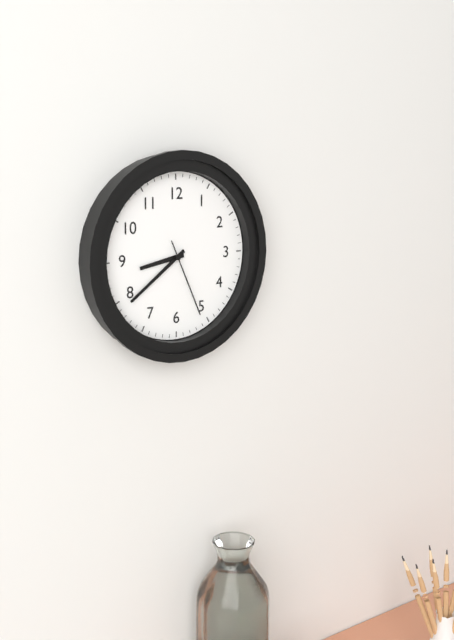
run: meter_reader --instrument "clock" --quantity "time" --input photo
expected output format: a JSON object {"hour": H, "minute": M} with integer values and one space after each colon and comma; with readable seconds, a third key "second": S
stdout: {"hour": 8, "minute": 39, "second": 26}
